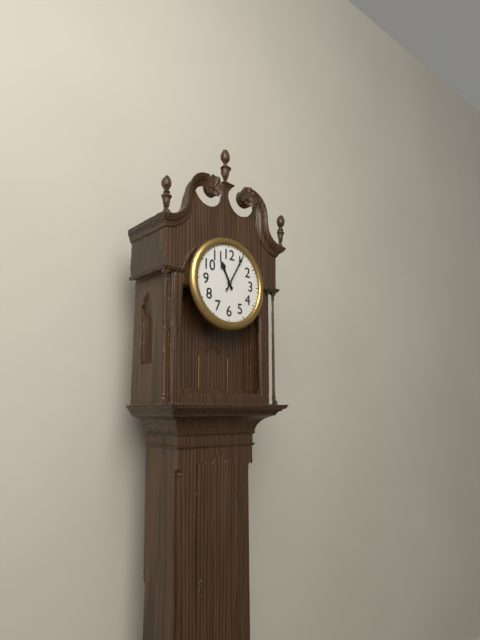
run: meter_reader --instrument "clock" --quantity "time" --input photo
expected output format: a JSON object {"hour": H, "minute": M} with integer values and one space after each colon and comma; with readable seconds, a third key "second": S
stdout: {"hour": 11, "minute": 5}
